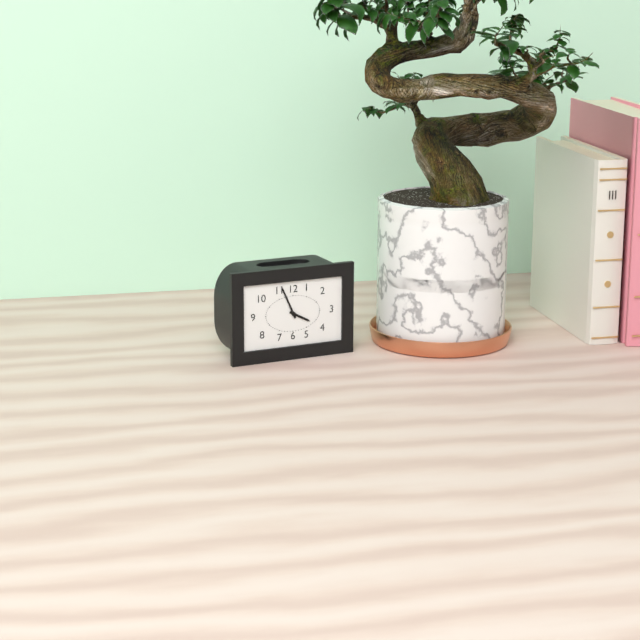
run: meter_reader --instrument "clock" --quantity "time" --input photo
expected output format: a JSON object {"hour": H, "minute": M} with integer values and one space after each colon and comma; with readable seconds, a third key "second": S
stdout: {"hour": 3, "minute": 56}
